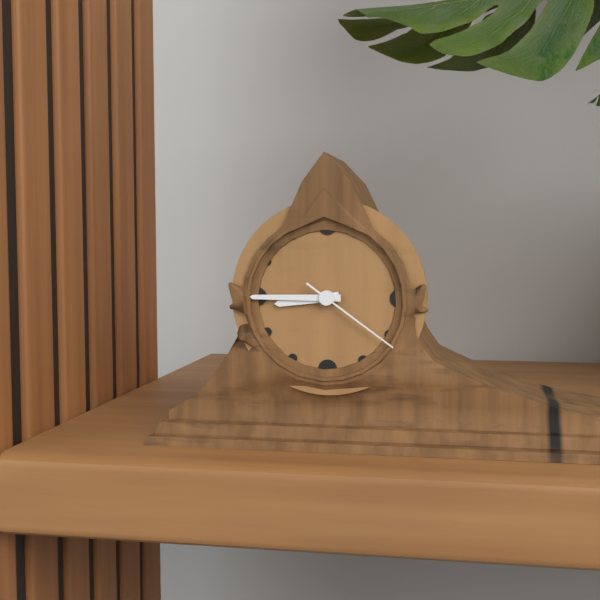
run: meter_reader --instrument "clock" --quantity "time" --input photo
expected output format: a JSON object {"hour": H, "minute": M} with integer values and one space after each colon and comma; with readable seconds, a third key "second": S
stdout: {"hour": 8, "minute": 45, "second": 21}
